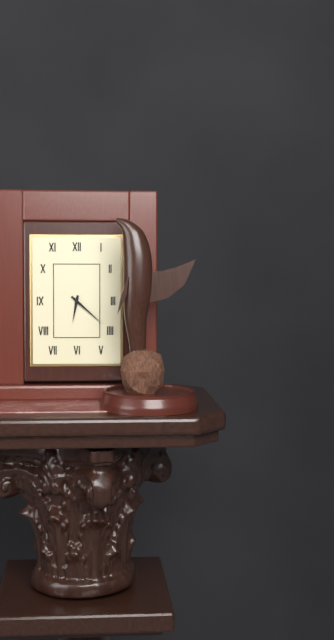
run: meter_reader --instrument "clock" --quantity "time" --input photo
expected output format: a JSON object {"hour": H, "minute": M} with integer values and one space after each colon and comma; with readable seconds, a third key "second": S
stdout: {"hour": 6, "minute": 22}
